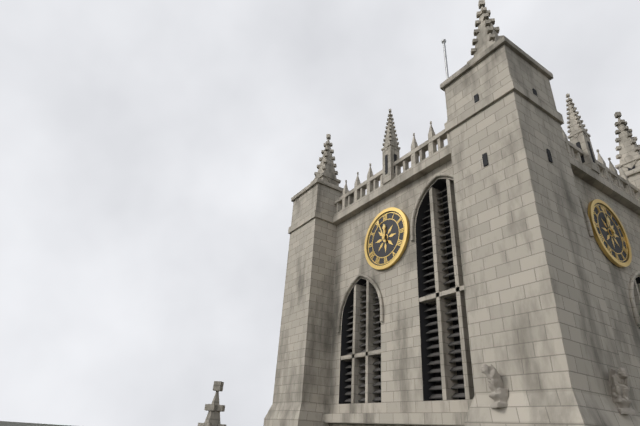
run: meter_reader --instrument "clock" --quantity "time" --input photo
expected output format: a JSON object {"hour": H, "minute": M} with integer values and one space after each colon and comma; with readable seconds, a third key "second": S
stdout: {"hour": 11, "minute": 56}
